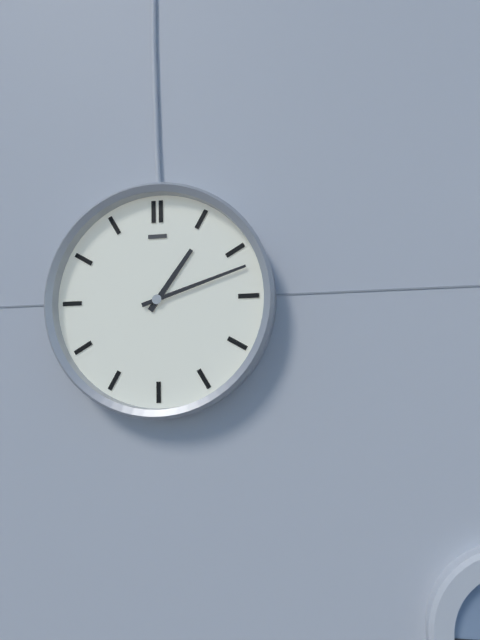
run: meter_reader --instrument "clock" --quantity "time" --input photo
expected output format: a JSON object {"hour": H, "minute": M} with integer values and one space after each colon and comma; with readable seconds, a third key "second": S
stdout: {"hour": 1, "minute": 12}
